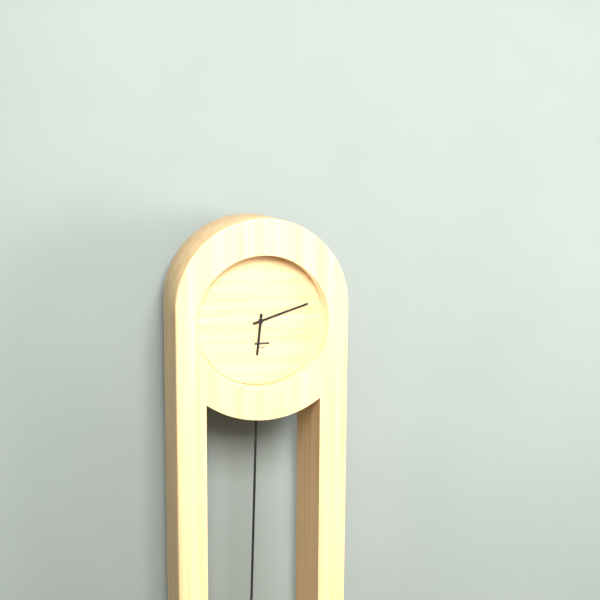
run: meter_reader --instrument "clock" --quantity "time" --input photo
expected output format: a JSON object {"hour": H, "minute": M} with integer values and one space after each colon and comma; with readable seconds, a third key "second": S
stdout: {"hour": 6, "minute": 12}
